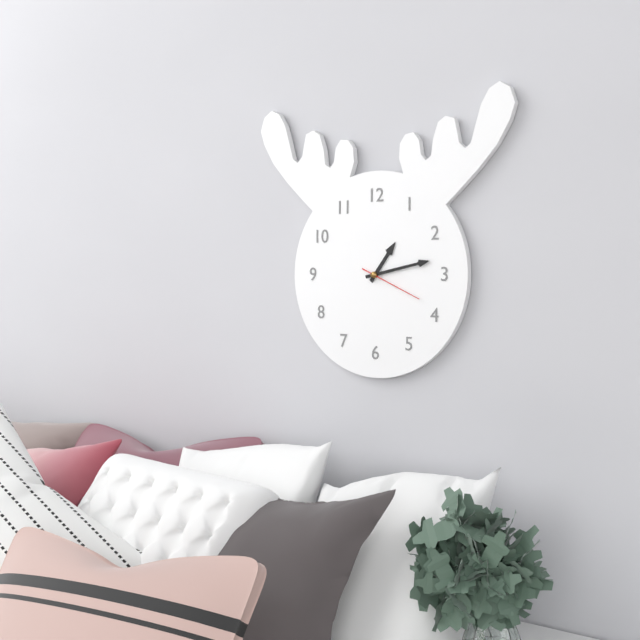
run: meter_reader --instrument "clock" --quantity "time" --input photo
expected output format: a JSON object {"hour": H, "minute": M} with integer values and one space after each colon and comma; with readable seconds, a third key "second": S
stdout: {"hour": 1, "minute": 13, "second": 19}
